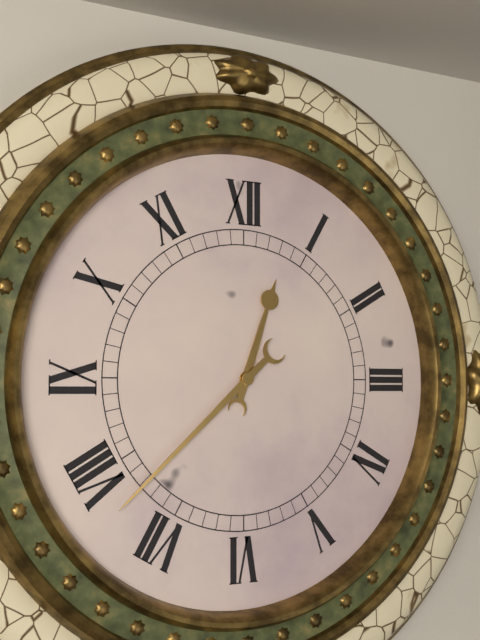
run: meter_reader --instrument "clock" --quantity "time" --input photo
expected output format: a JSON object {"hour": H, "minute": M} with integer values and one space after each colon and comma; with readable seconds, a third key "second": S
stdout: {"hour": 12, "minute": 38}
